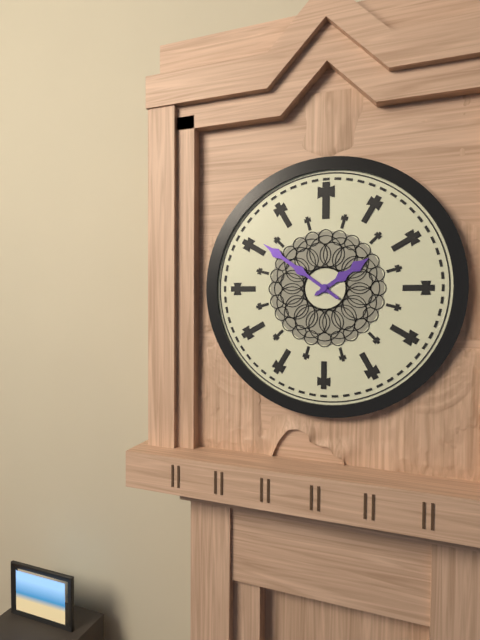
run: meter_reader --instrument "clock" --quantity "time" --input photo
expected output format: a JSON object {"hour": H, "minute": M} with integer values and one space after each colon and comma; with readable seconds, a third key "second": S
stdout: {"hour": 1, "minute": 51}
